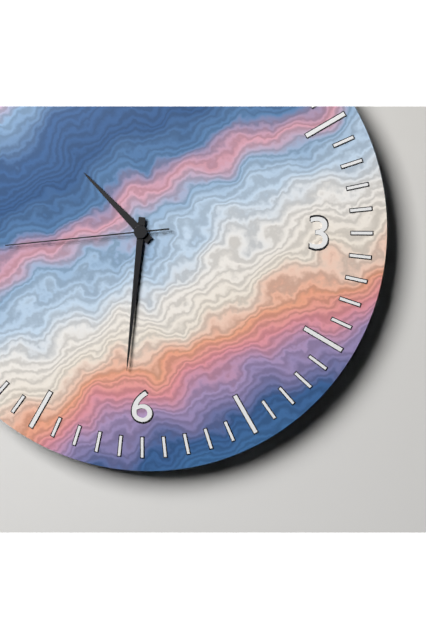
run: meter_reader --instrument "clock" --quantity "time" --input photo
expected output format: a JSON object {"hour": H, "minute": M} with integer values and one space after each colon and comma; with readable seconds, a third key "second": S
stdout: {"hour": 10, "minute": 31, "second": 44}
